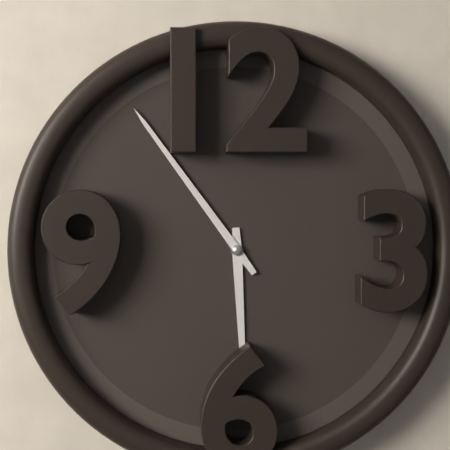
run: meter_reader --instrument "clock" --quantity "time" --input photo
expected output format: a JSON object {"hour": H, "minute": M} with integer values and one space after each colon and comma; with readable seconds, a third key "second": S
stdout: {"hour": 5, "minute": 54}
